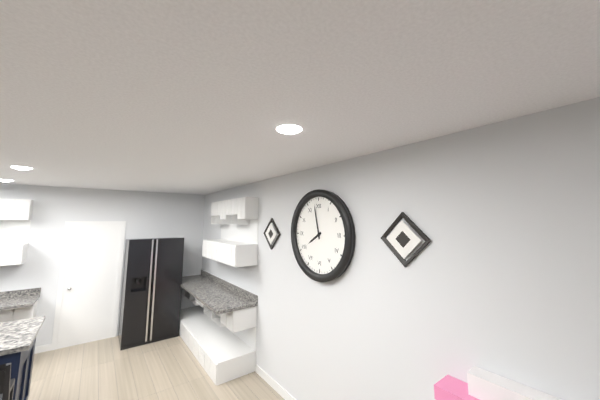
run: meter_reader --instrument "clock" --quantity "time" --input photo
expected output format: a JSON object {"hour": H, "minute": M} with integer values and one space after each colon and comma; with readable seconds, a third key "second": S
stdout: {"hour": 7, "minute": 58}
